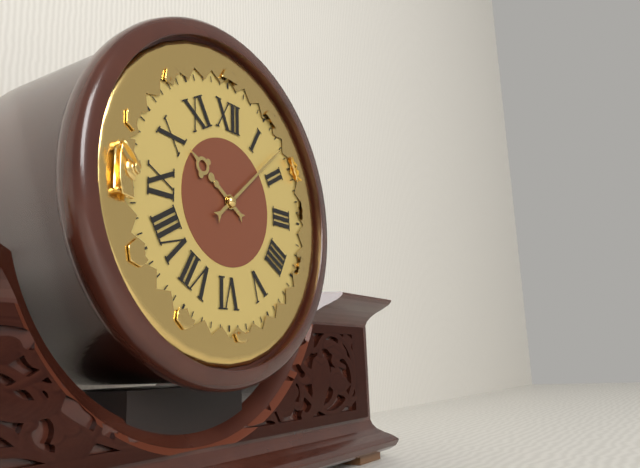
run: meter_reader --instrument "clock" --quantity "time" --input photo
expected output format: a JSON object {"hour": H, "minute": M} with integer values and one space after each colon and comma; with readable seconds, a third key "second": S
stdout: {"hour": 10, "minute": 8}
